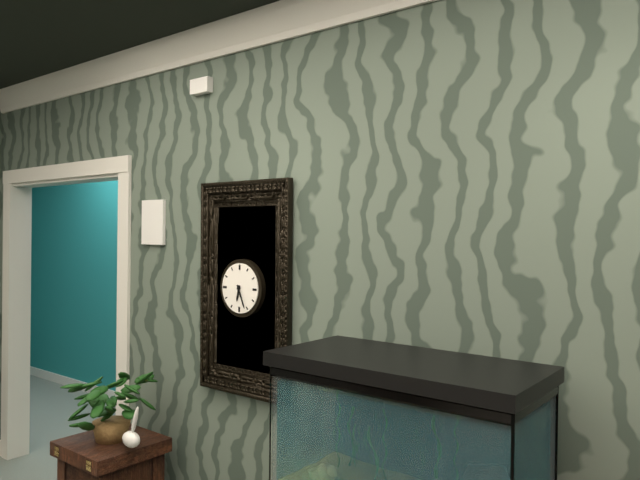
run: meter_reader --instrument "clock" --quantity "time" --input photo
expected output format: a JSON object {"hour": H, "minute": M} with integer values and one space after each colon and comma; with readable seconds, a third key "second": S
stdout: {"hour": 6, "minute": 26}
